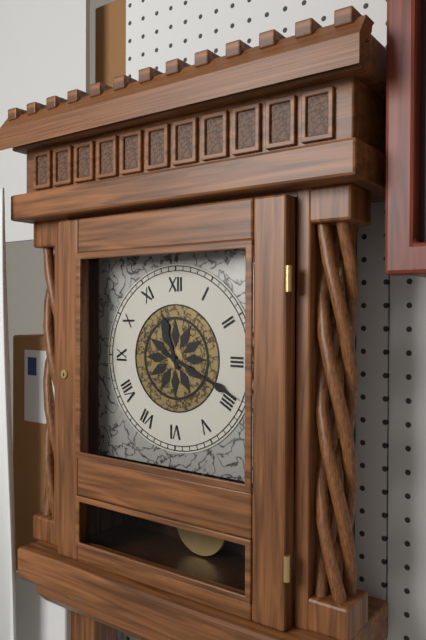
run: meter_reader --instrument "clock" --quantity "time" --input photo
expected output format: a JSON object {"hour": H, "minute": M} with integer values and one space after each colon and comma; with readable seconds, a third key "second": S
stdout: {"hour": 11, "minute": 19}
